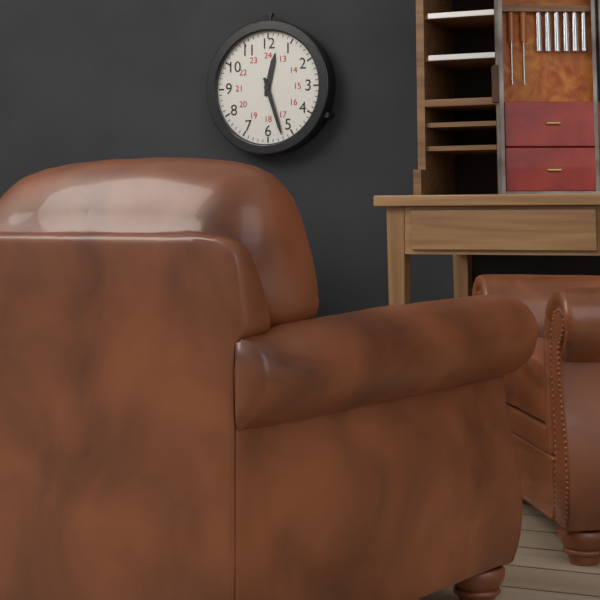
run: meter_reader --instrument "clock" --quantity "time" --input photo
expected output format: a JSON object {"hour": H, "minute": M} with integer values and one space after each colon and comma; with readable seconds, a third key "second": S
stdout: {"hour": 12, "minute": 27}
